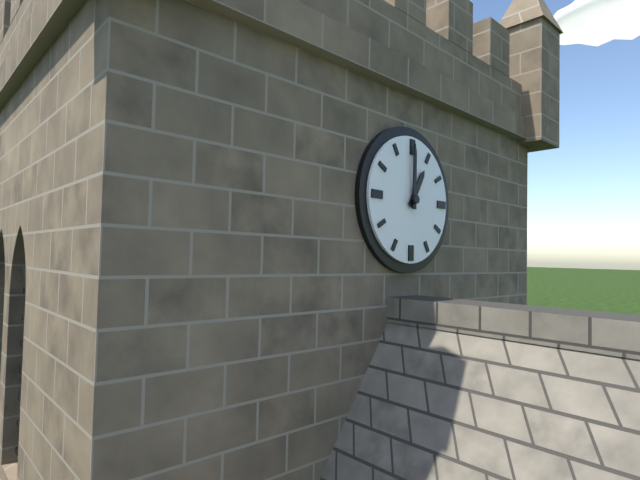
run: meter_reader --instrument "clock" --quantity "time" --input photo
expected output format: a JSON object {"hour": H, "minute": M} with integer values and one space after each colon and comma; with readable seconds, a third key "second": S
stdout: {"hour": 1, "minute": 0}
